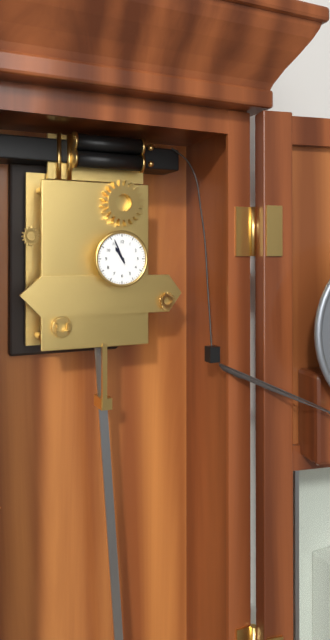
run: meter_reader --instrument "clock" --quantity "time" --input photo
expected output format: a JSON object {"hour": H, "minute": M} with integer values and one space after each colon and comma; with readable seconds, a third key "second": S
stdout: {"hour": 10, "minute": 56}
